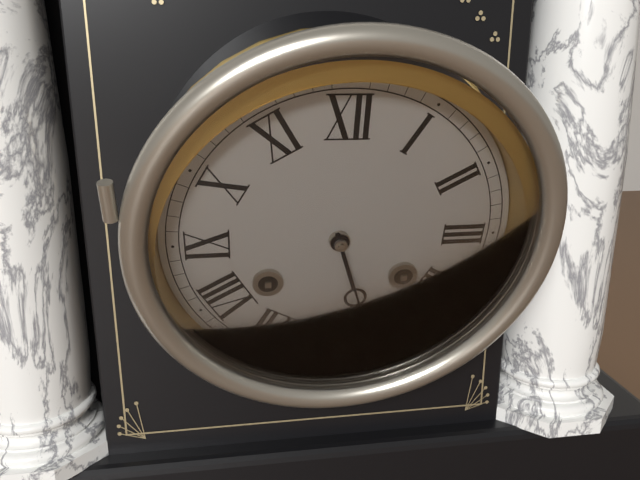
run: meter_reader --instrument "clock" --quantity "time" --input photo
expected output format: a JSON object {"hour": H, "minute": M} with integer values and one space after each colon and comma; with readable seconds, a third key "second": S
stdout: {"hour": 5, "minute": 27}
